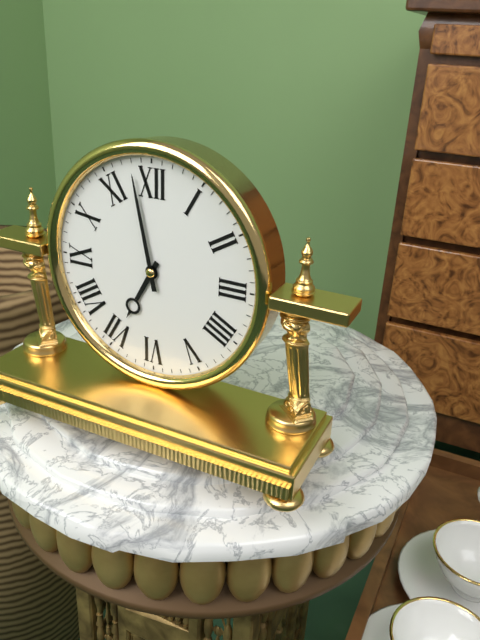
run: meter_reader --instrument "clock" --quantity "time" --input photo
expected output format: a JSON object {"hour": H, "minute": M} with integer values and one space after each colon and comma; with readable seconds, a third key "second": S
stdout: {"hour": 6, "minute": 58}
